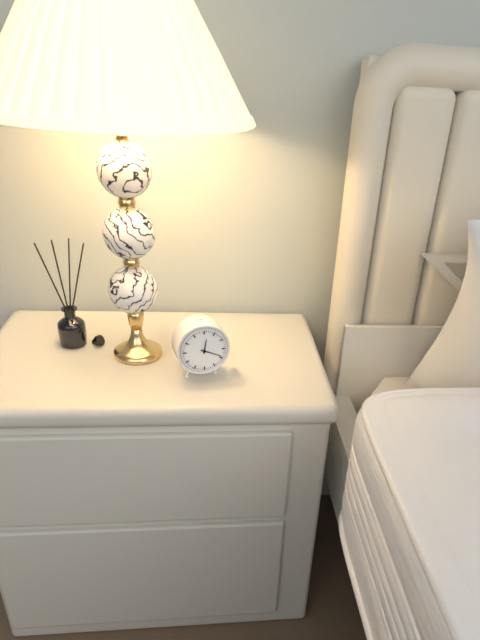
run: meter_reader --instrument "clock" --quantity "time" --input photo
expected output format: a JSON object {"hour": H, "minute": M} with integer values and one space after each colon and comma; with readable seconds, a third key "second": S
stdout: {"hour": 12, "minute": 19}
